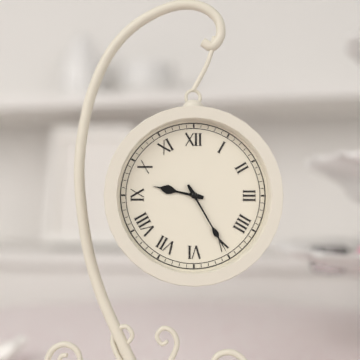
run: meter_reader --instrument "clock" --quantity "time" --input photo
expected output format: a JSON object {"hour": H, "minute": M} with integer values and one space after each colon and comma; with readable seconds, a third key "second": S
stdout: {"hour": 9, "minute": 25}
